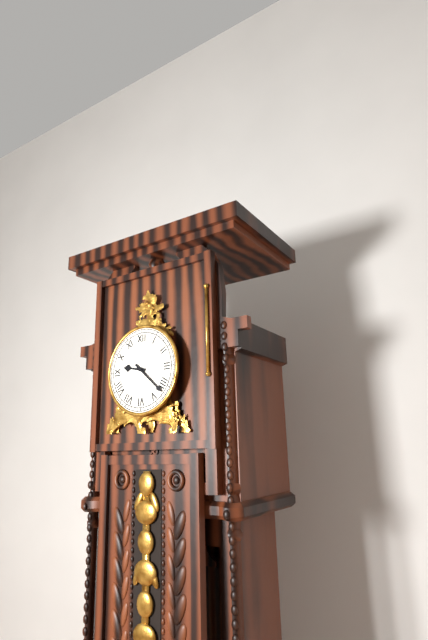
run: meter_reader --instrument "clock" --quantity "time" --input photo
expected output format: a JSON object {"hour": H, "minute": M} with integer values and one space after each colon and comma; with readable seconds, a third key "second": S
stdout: {"hour": 9, "minute": 22}
